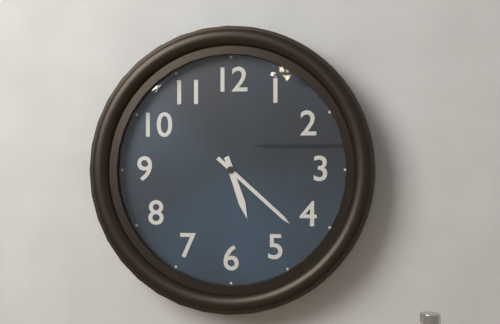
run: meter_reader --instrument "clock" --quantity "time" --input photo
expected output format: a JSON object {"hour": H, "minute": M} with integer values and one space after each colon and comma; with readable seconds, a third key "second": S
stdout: {"hour": 5, "minute": 22}
